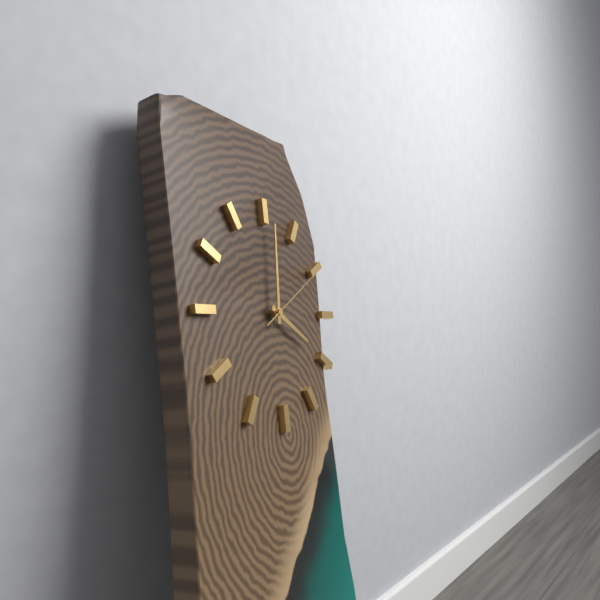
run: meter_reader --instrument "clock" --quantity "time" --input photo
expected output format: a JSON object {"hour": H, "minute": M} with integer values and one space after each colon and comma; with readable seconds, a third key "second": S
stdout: {"hour": 4, "minute": 1, "second": 10}
